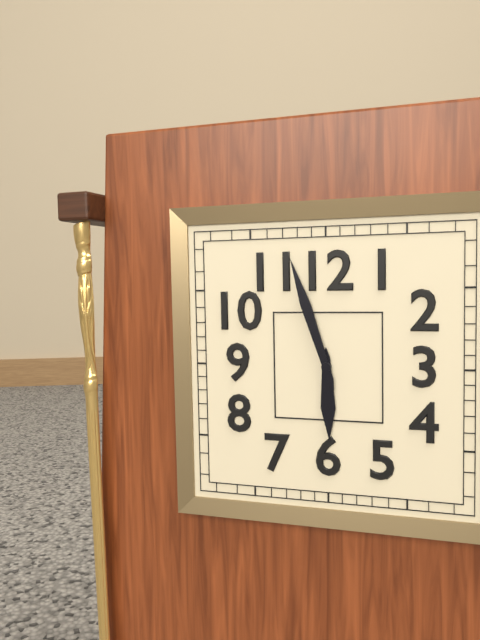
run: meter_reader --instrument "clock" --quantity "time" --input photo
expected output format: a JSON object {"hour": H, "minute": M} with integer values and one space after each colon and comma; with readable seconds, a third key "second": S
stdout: {"hour": 5, "minute": 57}
